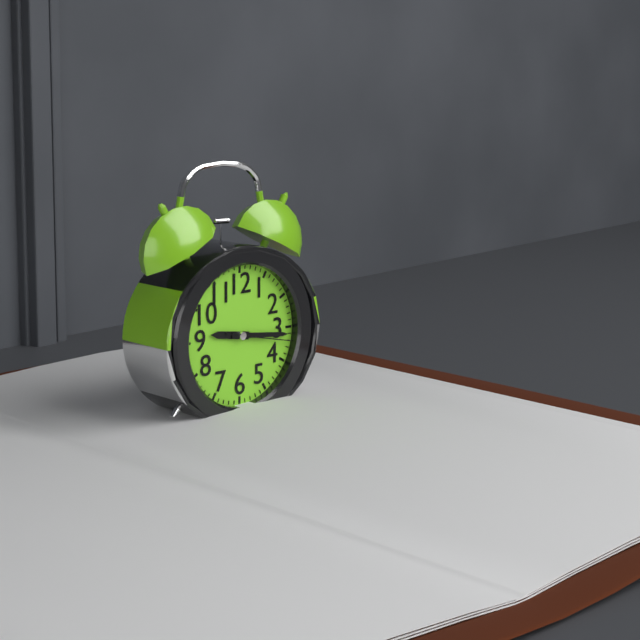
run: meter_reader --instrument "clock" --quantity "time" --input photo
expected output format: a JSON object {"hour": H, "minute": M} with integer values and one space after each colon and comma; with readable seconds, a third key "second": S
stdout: {"hour": 9, "minute": 16, "second": 17}
